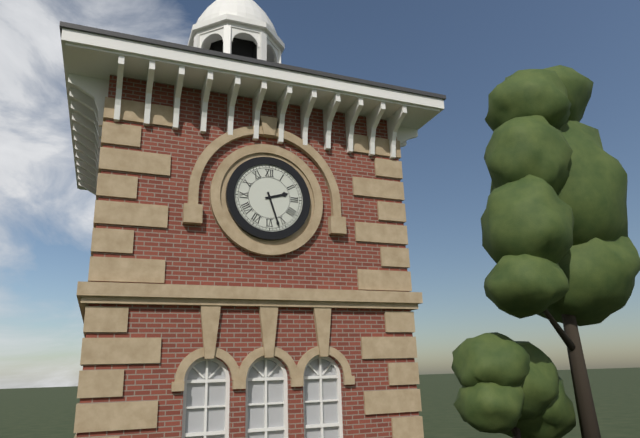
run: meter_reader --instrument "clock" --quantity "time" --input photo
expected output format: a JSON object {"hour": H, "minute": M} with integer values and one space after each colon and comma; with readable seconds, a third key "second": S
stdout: {"hour": 2, "minute": 27}
